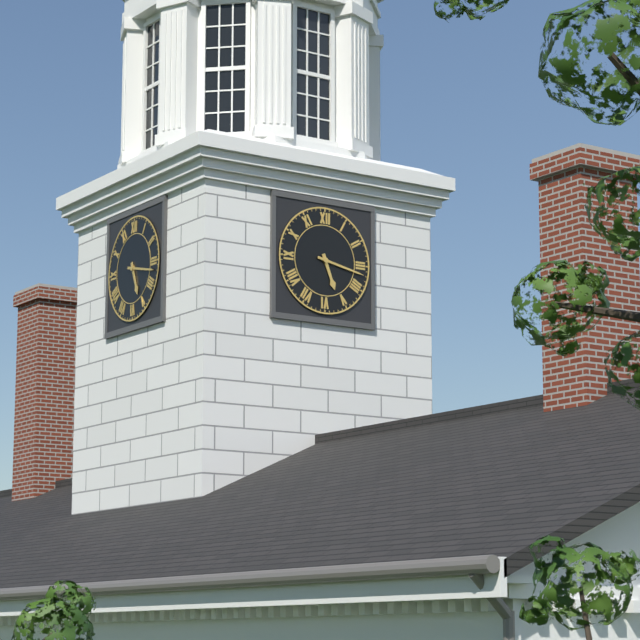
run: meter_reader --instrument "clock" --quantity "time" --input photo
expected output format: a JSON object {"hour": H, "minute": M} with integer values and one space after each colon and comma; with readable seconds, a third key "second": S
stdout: {"hour": 5, "minute": 17}
